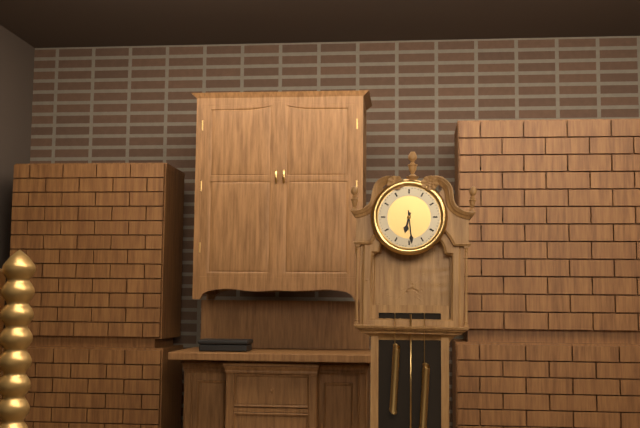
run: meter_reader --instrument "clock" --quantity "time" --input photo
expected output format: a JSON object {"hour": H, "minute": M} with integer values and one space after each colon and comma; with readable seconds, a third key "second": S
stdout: {"hour": 6, "minute": 29}
